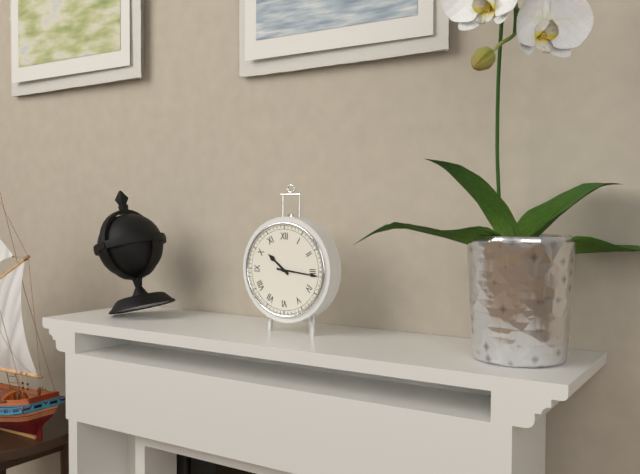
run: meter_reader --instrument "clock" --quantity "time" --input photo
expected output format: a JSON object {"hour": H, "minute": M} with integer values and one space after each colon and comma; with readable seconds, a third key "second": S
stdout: {"hour": 10, "minute": 16}
